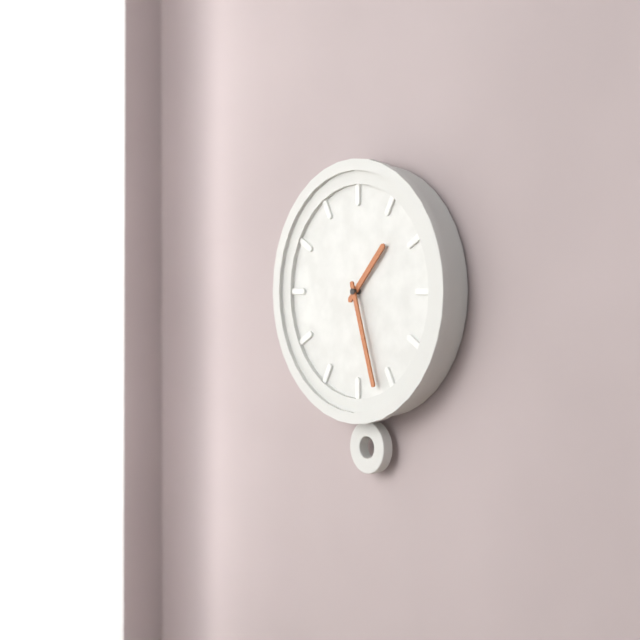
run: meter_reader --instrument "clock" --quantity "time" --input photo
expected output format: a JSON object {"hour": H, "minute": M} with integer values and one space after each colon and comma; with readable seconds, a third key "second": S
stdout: {"hour": 1, "minute": 27}
